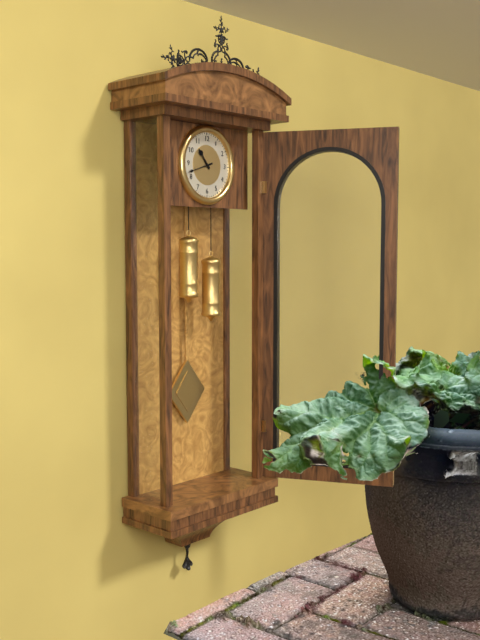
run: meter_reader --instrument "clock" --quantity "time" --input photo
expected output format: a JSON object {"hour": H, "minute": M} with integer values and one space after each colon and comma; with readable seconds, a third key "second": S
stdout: {"hour": 10, "minute": 42}
